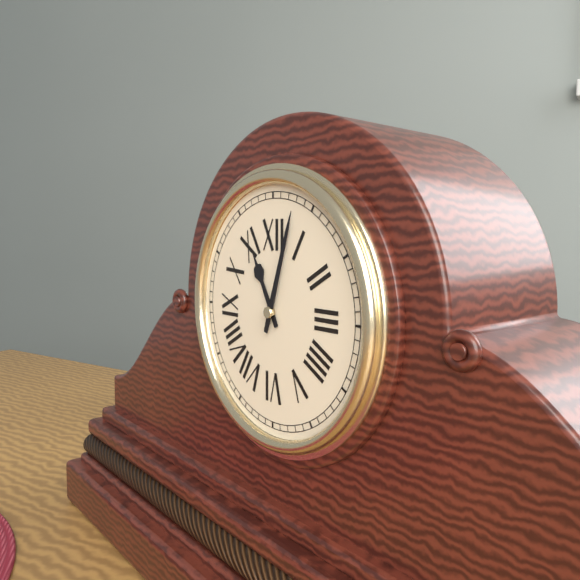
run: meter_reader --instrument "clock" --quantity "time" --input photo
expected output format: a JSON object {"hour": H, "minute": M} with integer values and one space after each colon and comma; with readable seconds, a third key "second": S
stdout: {"hour": 11, "minute": 3}
